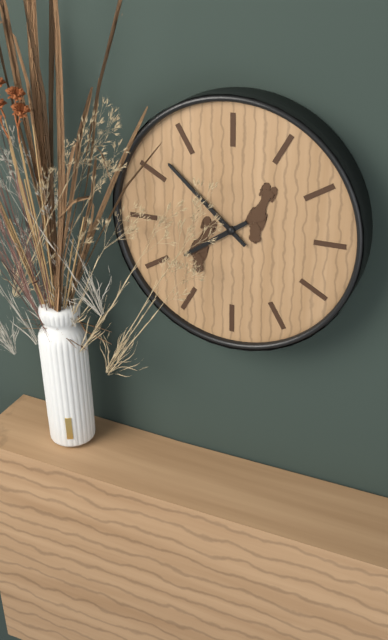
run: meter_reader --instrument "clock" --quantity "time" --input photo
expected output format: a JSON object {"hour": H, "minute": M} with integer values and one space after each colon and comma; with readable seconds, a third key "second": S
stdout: {"hour": 7, "minute": 52}
